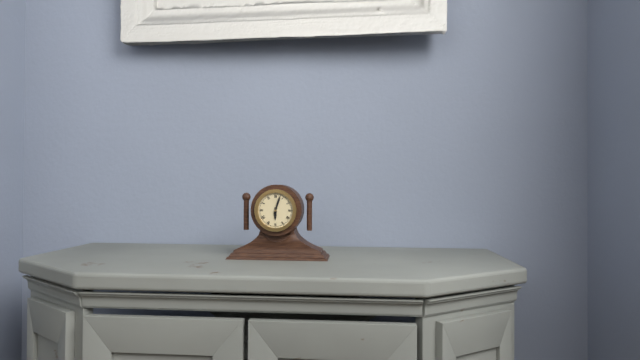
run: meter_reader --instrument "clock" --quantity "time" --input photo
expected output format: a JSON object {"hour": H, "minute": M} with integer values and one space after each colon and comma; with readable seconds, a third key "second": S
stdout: {"hour": 6, "minute": 3}
